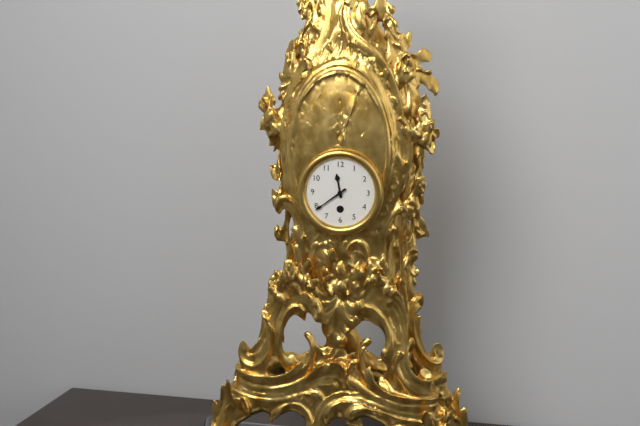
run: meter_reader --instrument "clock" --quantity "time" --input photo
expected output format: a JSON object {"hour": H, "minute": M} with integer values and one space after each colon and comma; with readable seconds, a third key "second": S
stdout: {"hour": 11, "minute": 39}
